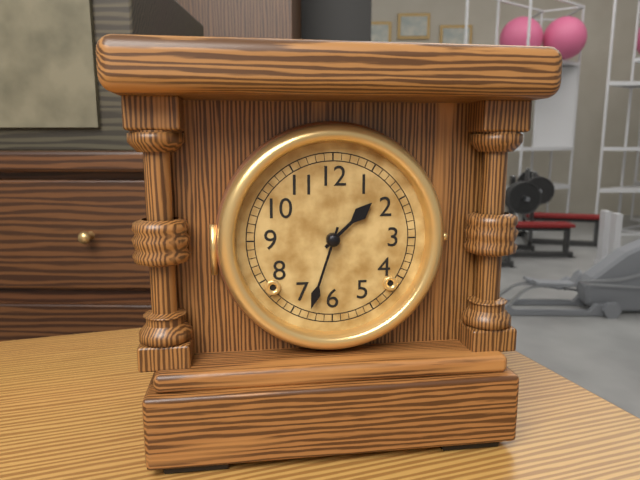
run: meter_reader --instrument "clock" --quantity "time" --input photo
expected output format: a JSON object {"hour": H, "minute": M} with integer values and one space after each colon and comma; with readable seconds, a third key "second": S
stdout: {"hour": 1, "minute": 33}
